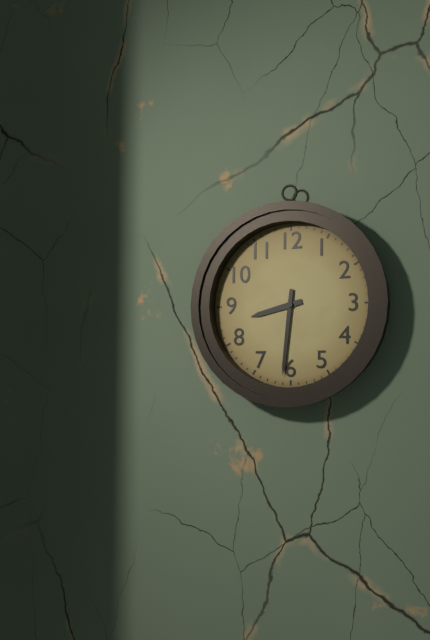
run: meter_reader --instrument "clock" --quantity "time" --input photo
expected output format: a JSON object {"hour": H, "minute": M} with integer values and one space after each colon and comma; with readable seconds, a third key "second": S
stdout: {"hour": 8, "minute": 31}
